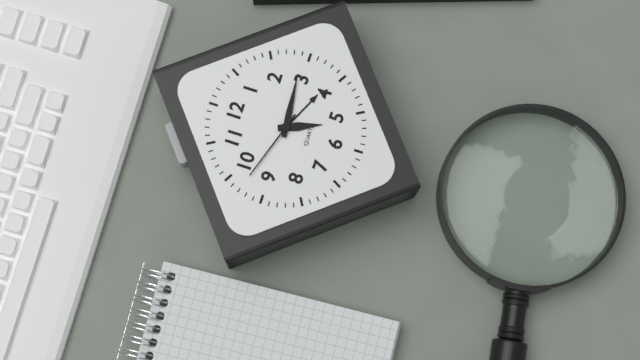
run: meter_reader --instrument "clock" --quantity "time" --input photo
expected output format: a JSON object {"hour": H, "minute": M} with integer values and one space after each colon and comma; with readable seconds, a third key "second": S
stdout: {"hour": 5, "minute": 14, "second": 48}
